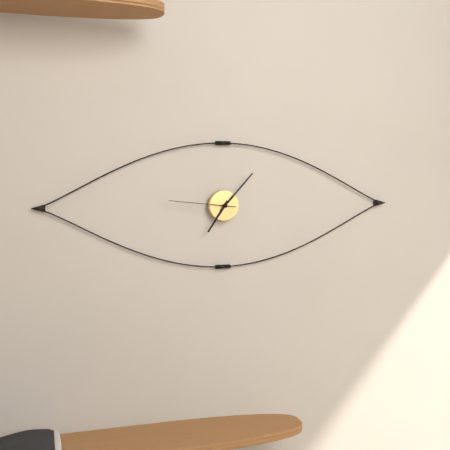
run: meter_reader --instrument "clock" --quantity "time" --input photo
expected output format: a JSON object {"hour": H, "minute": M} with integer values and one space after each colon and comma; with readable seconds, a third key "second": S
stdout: {"hour": 7, "minute": 7, "second": 46}
